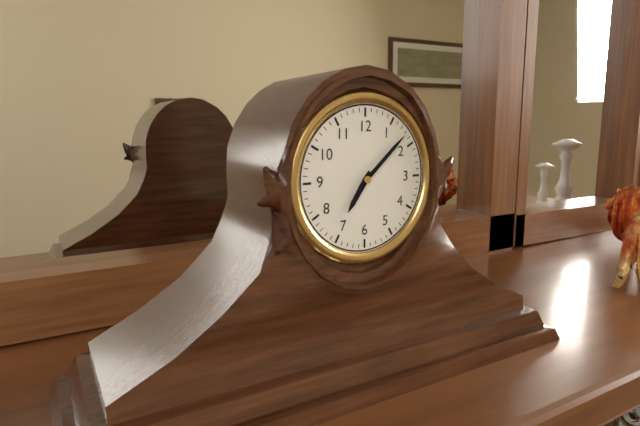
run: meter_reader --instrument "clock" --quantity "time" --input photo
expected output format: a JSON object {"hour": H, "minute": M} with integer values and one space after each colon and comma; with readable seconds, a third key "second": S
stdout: {"hour": 7, "minute": 8}
